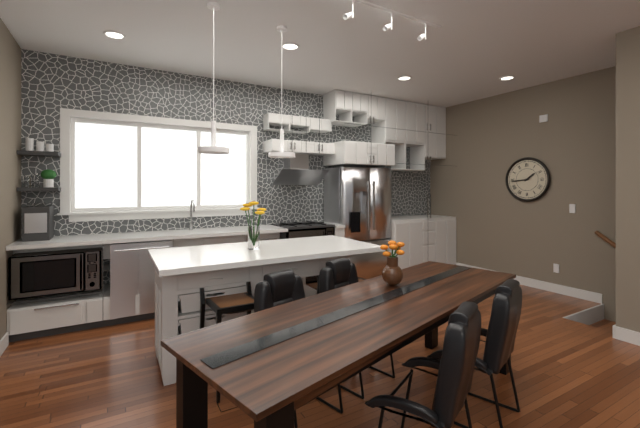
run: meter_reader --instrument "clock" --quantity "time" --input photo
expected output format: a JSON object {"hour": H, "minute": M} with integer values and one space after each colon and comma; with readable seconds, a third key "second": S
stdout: {"hour": 1, "minute": 44}
